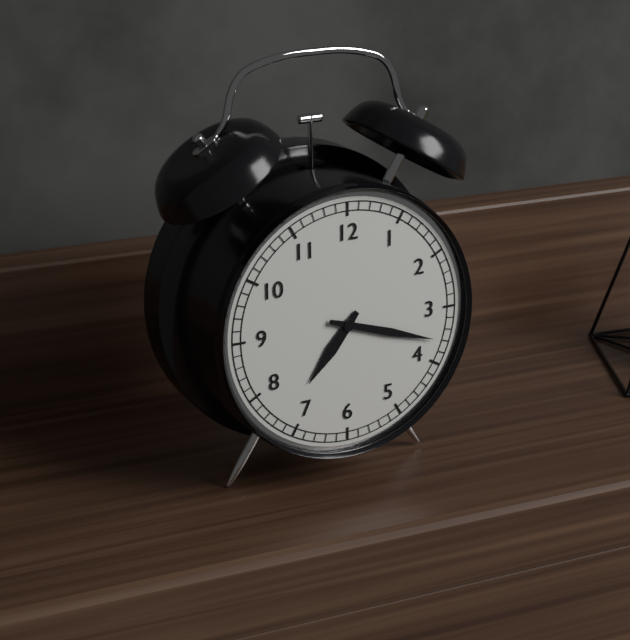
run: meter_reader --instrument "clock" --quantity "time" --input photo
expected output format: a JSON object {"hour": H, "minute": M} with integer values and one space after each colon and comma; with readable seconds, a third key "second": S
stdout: {"hour": 7, "minute": 18}
